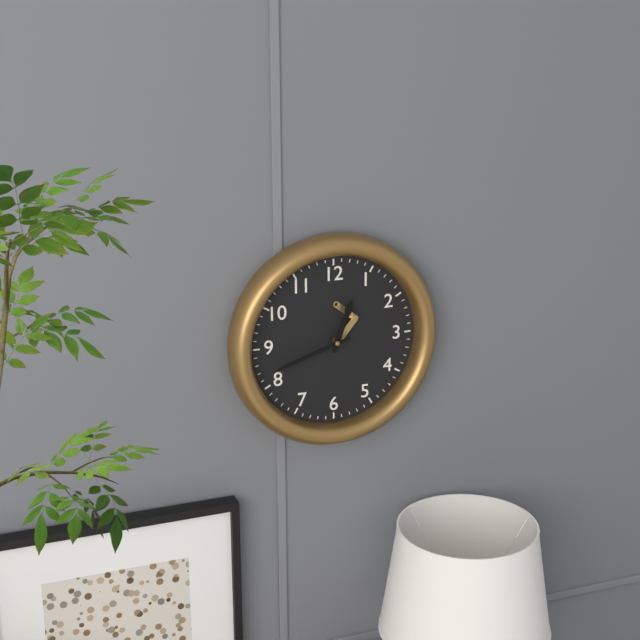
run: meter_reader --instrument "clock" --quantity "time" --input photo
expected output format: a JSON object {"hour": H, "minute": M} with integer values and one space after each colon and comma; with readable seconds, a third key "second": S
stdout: {"hour": 12, "minute": 42}
